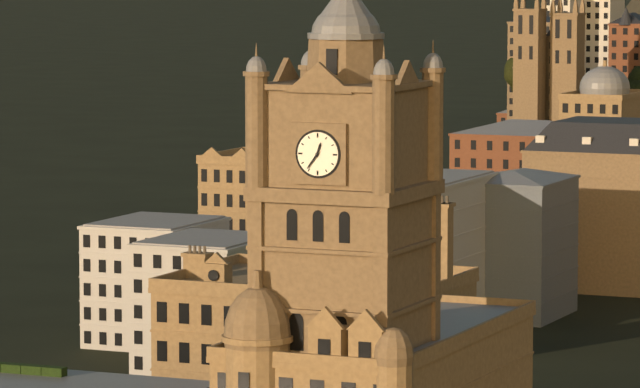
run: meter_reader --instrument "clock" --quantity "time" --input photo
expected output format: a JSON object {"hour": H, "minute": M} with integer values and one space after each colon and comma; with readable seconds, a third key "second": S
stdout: {"hour": 12, "minute": 36}
